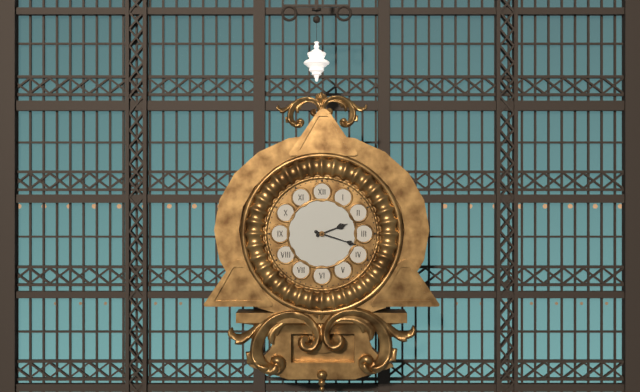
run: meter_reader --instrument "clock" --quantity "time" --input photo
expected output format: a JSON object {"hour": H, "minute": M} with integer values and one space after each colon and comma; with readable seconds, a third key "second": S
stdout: {"hour": 2, "minute": 18}
